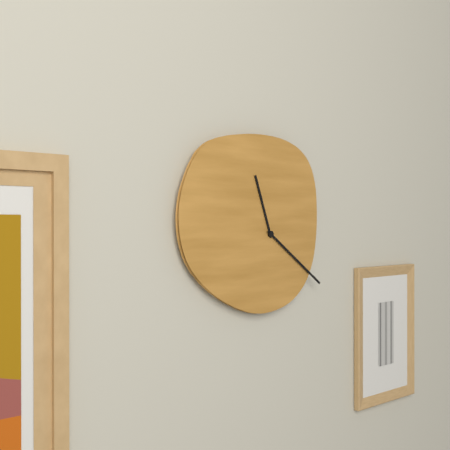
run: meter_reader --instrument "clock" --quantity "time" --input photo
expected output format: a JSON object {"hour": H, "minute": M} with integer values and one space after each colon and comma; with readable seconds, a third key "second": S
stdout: {"hour": 11, "minute": 21}
